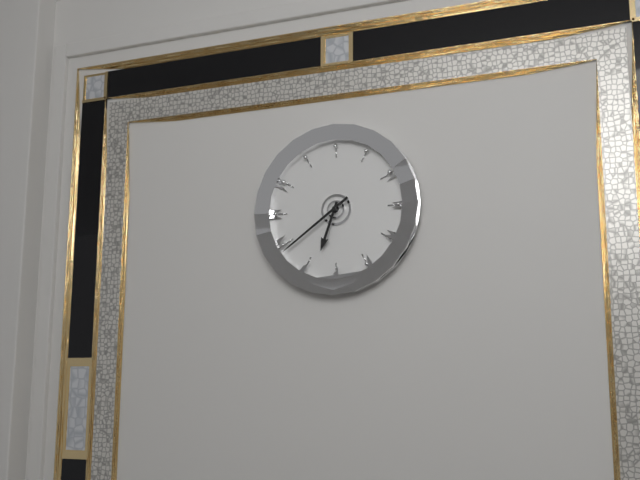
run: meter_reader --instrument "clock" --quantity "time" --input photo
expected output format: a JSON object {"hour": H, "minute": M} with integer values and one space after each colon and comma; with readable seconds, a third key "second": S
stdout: {"hour": 6, "minute": 39}
